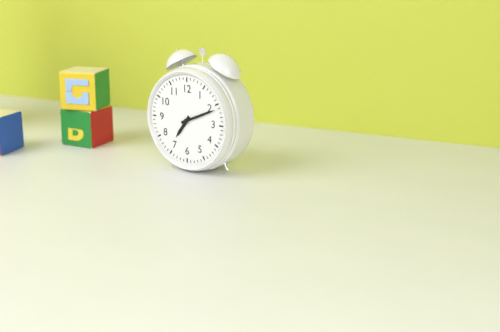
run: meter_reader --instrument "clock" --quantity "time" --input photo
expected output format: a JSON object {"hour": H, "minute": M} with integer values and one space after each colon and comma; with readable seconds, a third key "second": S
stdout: {"hour": 7, "minute": 11}
